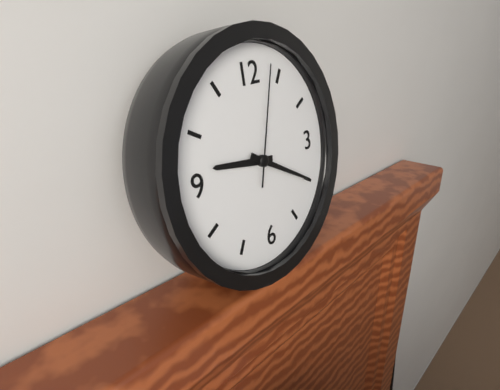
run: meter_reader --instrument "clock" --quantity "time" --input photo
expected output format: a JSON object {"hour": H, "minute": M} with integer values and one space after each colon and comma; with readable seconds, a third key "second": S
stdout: {"hour": 9, "minute": 20, "second": 3}
